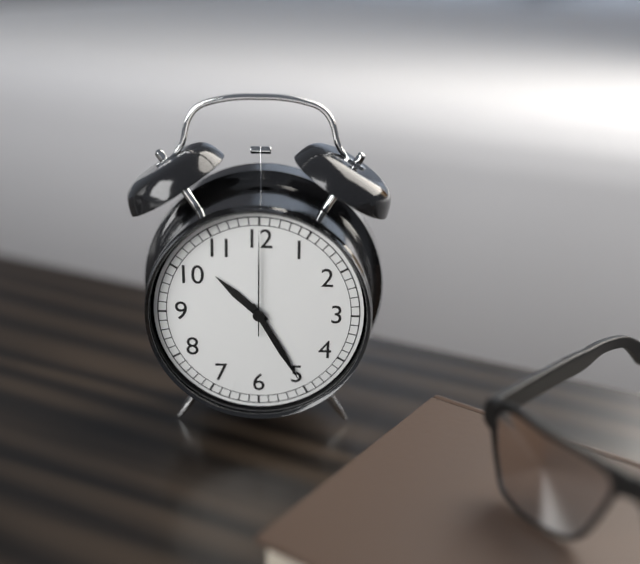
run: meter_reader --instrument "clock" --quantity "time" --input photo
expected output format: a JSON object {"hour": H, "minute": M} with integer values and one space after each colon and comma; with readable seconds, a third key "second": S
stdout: {"hour": 10, "minute": 25, "second": 0}
